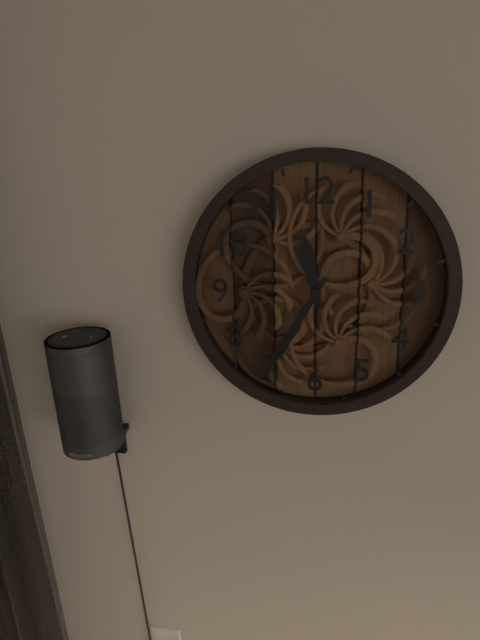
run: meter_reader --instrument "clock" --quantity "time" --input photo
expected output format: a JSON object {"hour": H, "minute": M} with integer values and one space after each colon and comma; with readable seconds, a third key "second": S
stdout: {"hour": 11, "minute": 35}
